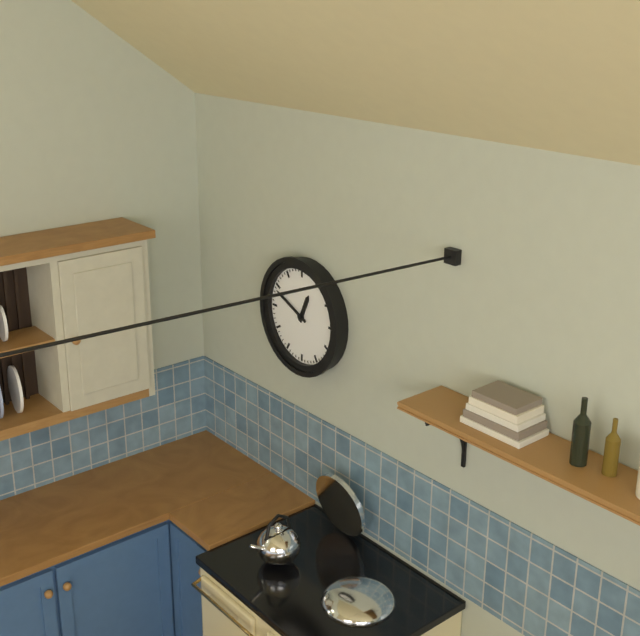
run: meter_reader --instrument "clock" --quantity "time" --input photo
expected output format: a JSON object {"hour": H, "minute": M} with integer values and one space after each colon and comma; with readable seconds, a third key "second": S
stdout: {"hour": 12, "minute": 49}
